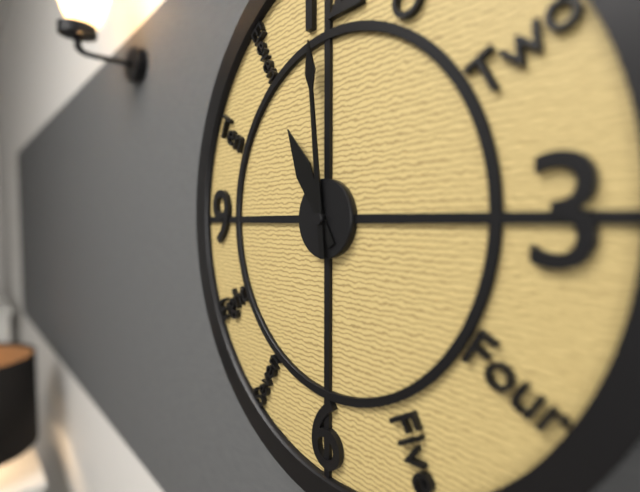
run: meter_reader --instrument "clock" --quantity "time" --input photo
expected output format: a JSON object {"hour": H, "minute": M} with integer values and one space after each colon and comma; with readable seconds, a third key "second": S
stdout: {"hour": 10, "minute": 59}
